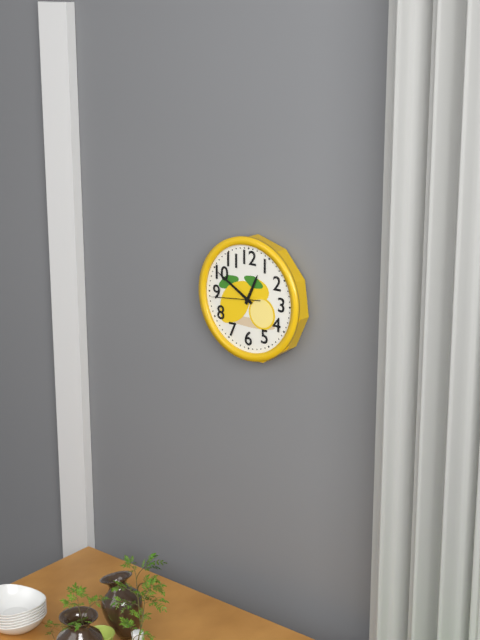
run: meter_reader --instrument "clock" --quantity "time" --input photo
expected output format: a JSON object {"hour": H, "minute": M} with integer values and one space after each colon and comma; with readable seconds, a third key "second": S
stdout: {"hour": 12, "minute": 50}
